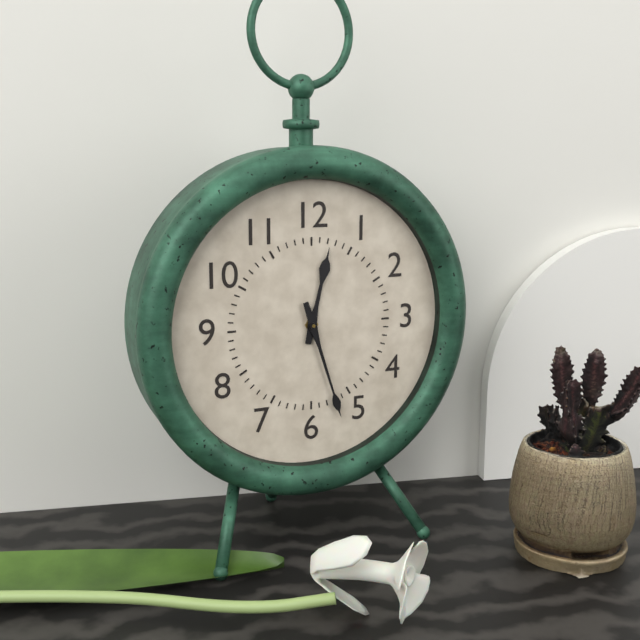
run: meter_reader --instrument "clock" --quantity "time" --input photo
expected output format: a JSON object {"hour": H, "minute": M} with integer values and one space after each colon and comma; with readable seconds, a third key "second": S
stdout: {"hour": 12, "minute": 27}
